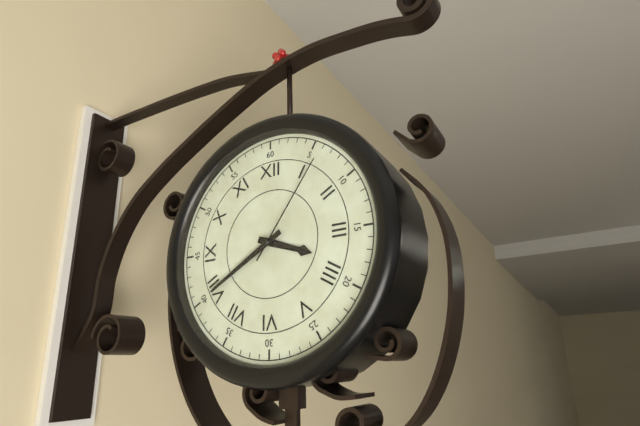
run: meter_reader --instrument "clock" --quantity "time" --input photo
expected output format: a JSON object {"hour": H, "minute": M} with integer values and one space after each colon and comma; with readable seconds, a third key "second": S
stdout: {"hour": 3, "minute": 40, "second": 6}
